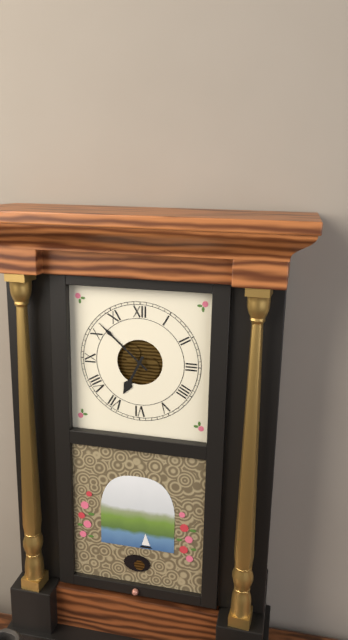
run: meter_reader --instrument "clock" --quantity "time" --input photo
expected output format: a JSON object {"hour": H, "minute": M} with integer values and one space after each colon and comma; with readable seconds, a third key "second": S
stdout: {"hour": 6, "minute": 52}
